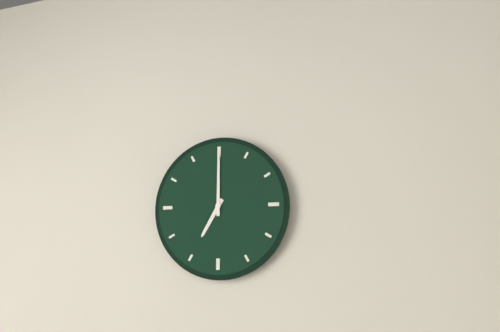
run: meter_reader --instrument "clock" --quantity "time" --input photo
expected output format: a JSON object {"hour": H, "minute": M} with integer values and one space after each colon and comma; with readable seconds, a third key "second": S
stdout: {"hour": 7, "minute": 0}
